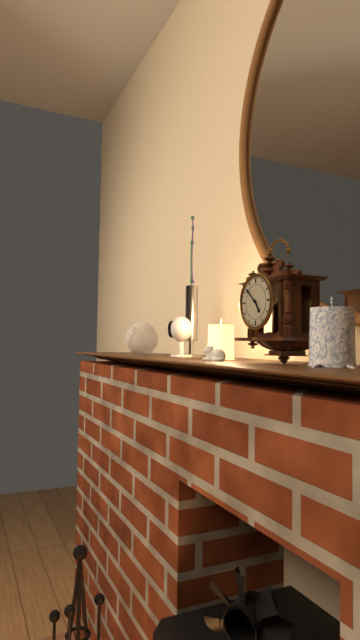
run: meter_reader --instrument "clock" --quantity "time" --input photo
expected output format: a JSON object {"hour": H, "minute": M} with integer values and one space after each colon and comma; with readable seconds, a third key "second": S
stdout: {"hour": 4, "minute": 52}
